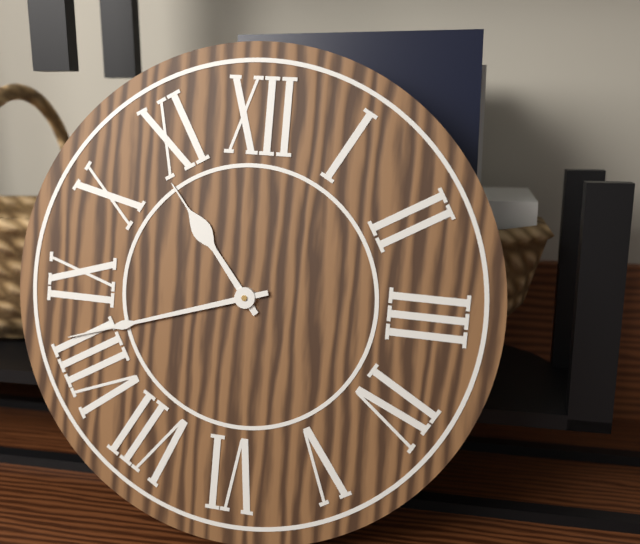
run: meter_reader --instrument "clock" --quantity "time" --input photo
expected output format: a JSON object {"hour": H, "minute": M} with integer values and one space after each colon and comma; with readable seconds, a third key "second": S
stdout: {"hour": 10, "minute": 42}
